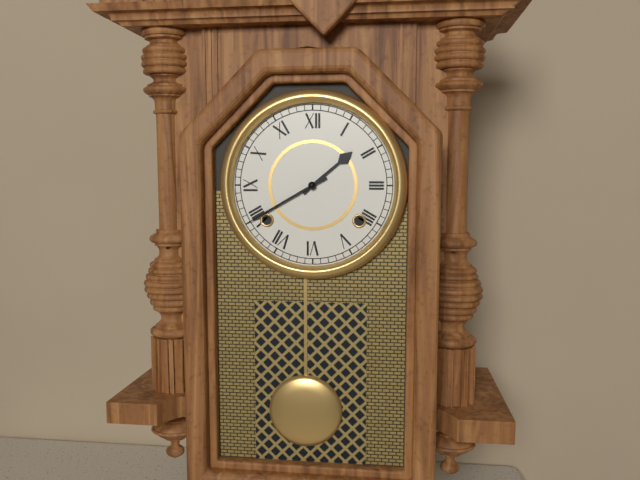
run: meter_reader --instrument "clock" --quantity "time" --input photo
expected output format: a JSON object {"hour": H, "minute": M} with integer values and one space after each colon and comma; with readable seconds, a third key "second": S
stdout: {"hour": 1, "minute": 40}
